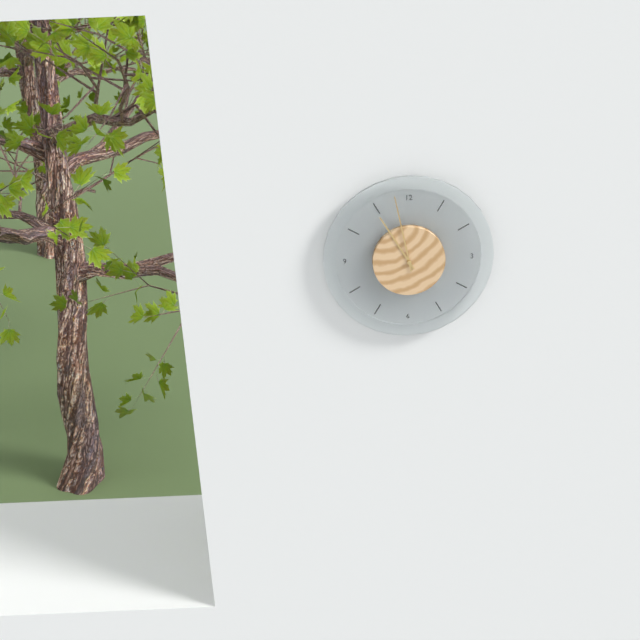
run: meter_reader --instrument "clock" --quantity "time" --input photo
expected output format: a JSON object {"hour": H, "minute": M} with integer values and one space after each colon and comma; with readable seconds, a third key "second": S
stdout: {"hour": 10, "minute": 58}
